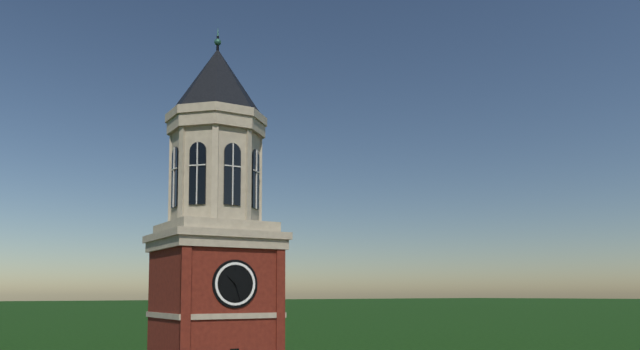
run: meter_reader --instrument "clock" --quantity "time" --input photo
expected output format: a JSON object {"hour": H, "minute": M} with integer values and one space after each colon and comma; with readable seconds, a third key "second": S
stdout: {"hour": 10, "minute": 27}
